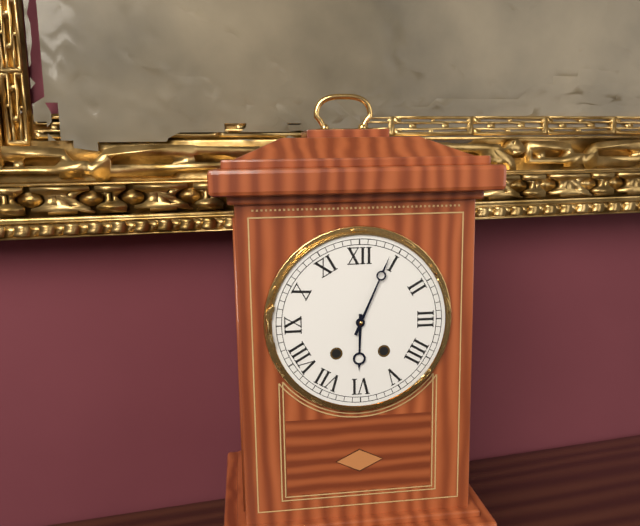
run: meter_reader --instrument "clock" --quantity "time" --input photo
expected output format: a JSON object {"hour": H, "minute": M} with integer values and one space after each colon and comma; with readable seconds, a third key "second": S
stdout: {"hour": 6, "minute": 4}
